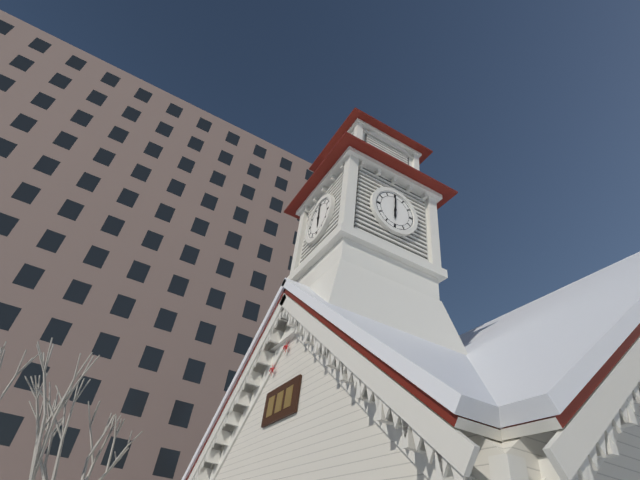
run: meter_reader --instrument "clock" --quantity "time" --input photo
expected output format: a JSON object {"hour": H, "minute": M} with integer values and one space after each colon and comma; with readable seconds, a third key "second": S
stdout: {"hour": 6, "minute": 0}
